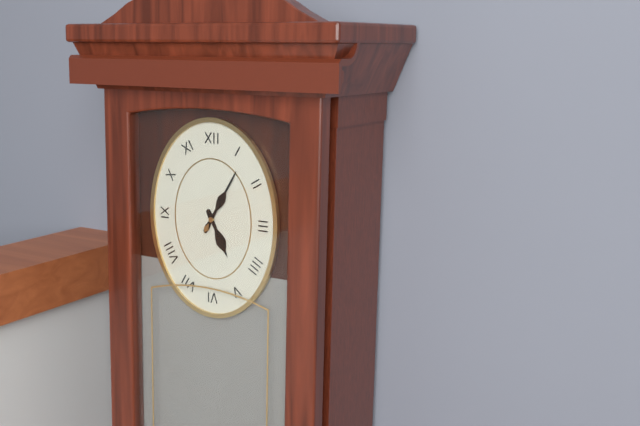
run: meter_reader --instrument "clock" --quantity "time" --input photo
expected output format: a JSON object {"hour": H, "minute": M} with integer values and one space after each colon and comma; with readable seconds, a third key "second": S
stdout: {"hour": 5, "minute": 5}
